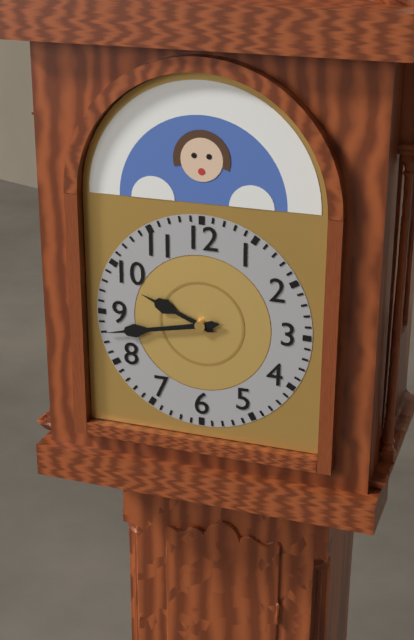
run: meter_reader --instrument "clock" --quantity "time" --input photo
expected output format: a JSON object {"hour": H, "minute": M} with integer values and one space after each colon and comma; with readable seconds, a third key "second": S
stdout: {"hour": 9, "minute": 43}
